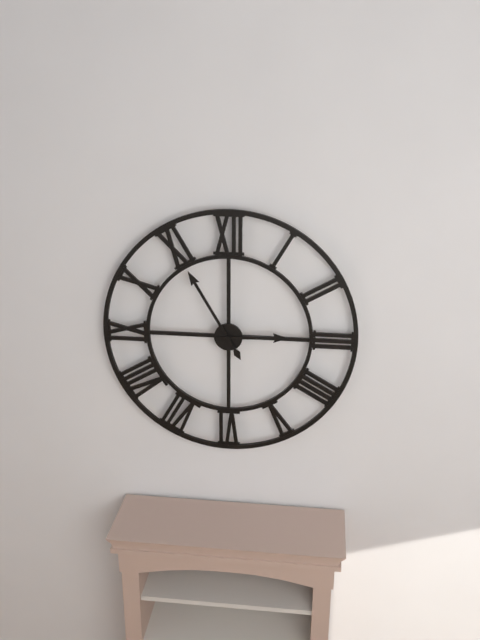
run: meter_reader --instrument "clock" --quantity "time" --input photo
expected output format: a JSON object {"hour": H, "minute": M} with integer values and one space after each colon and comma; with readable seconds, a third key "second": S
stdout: {"hour": 2, "minute": 55}
